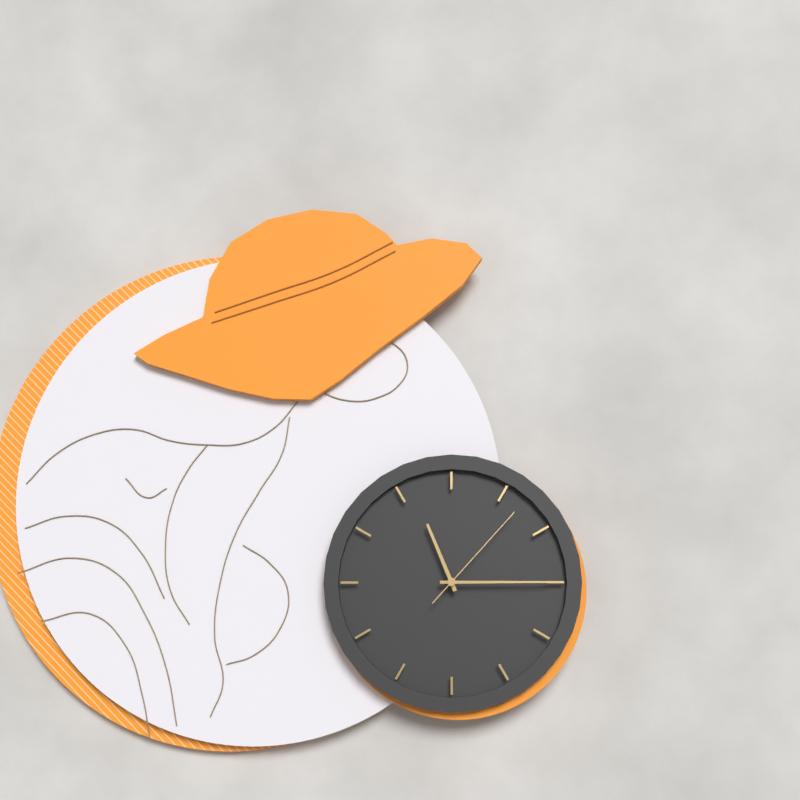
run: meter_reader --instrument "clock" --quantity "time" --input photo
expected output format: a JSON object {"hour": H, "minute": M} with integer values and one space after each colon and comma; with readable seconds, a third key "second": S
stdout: {"hour": 11, "minute": 15, "second": 7}
